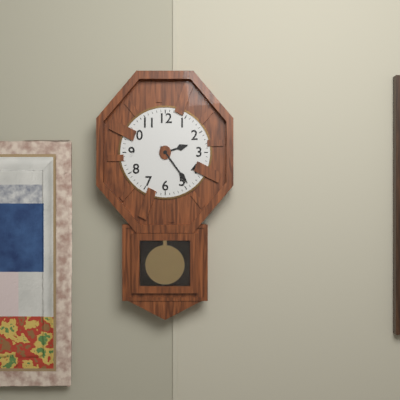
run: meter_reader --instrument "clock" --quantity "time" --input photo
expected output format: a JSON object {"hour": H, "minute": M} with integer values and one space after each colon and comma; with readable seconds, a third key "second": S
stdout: {"hour": 2, "minute": 24}
